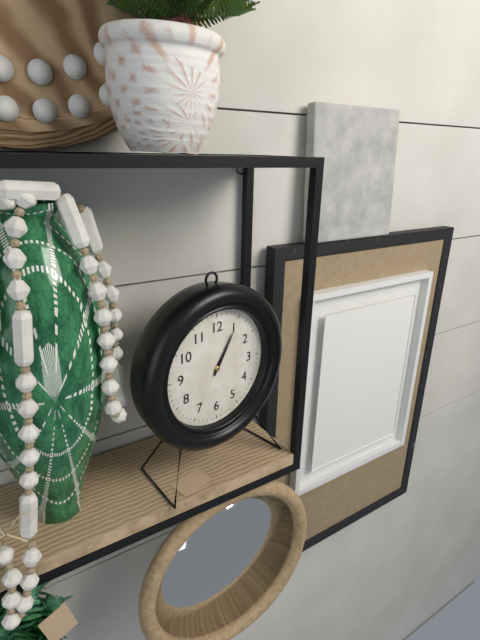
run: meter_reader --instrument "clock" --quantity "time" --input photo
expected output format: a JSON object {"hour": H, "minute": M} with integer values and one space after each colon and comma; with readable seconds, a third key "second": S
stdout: {"hour": 1, "minute": 5}
